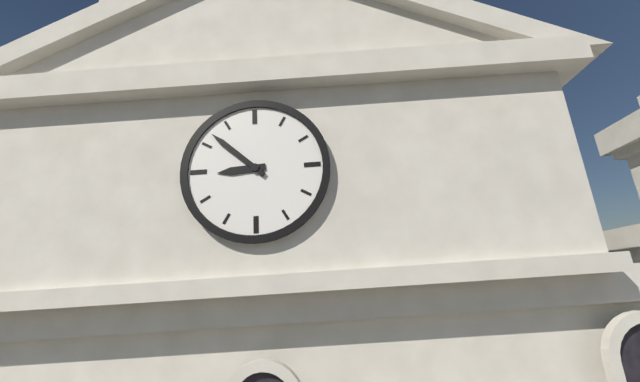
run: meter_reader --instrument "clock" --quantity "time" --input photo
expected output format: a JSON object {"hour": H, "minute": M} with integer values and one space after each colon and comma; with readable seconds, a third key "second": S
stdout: {"hour": 8, "minute": 52}
